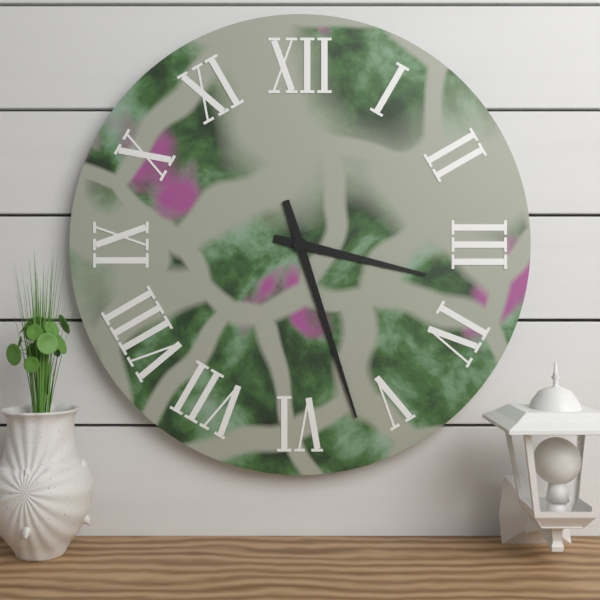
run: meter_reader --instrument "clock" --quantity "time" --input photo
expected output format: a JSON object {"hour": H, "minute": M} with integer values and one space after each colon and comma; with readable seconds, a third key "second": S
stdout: {"hour": 3, "minute": 27}
